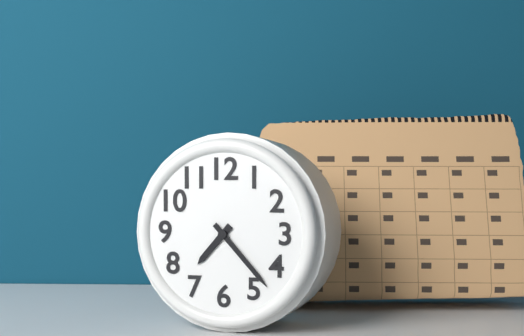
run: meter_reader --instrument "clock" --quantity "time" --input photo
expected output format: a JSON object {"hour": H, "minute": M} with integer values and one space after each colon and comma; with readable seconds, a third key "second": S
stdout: {"hour": 7, "minute": 23}
